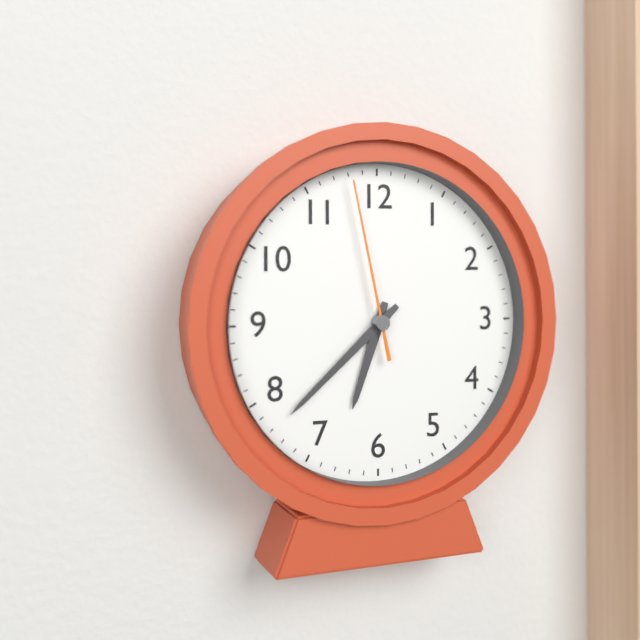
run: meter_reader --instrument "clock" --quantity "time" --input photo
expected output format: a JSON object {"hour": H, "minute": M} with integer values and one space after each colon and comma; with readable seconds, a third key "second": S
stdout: {"hour": 6, "minute": 38, "second": 58}
